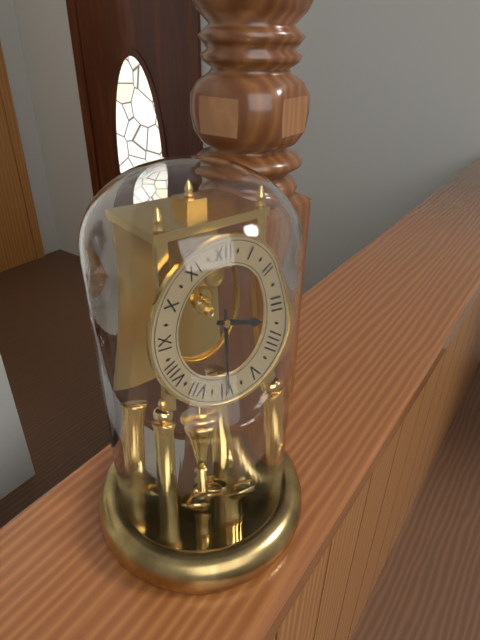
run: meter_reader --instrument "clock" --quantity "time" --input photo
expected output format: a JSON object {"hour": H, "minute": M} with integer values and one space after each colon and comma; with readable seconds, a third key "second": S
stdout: {"hour": 3, "minute": 30}
